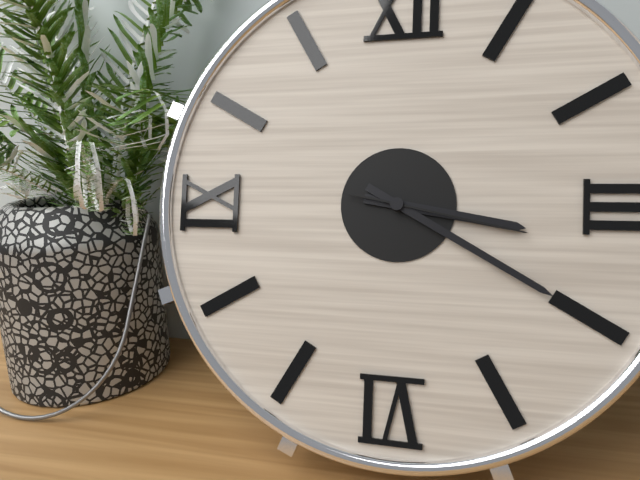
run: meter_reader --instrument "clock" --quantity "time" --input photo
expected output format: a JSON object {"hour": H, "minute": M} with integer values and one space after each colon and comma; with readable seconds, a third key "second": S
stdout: {"hour": 3, "minute": 20, "second": 17}
